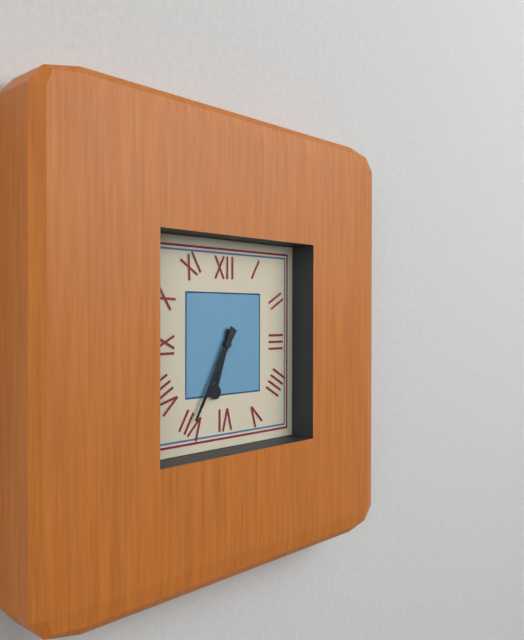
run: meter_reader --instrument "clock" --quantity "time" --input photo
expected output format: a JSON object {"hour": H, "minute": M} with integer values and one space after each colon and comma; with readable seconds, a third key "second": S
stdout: {"hour": 6, "minute": 35}
